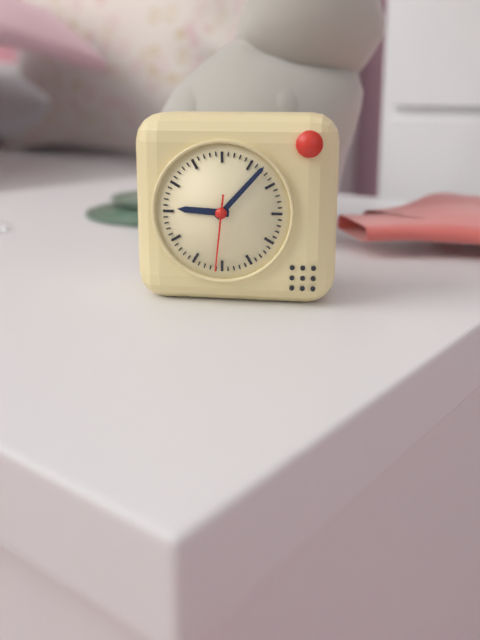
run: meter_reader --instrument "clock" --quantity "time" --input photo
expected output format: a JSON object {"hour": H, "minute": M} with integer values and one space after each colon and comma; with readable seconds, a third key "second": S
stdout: {"hour": 9, "minute": 7, "second": 31}
